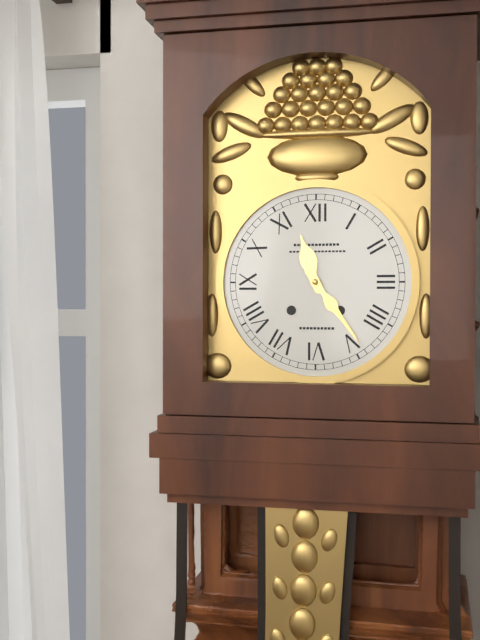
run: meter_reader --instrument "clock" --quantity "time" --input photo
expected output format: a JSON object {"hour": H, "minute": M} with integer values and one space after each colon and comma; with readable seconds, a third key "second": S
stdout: {"hour": 11, "minute": 24}
